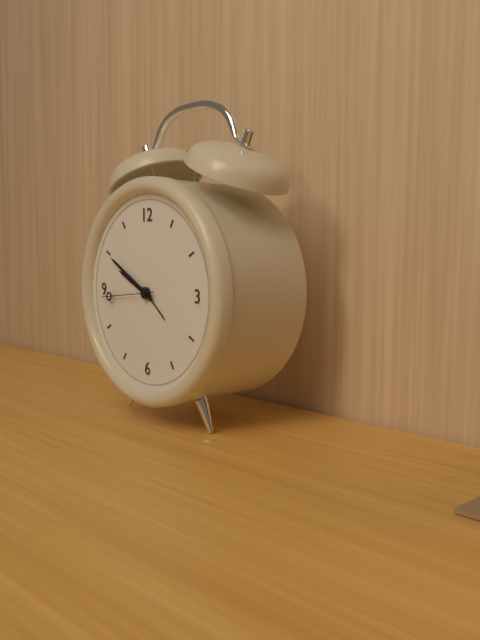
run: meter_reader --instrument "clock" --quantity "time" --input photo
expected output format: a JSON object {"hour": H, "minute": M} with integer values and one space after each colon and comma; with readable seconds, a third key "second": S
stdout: {"hour": 9, "minute": 50, "second": 44}
